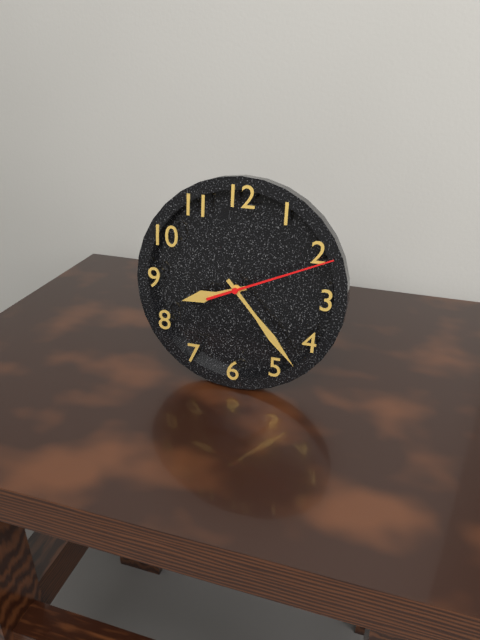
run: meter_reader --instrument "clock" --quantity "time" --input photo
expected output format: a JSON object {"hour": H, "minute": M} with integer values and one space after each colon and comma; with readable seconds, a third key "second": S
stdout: {"hour": 8, "minute": 23, "second": 11}
